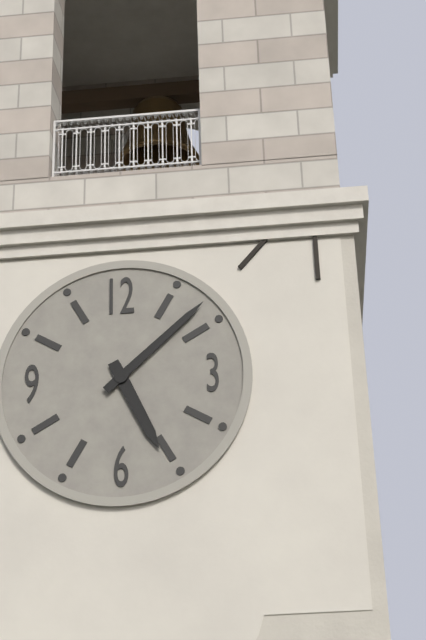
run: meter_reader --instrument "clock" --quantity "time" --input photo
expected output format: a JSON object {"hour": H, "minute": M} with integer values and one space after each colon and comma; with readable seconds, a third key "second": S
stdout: {"hour": 5, "minute": 8}
